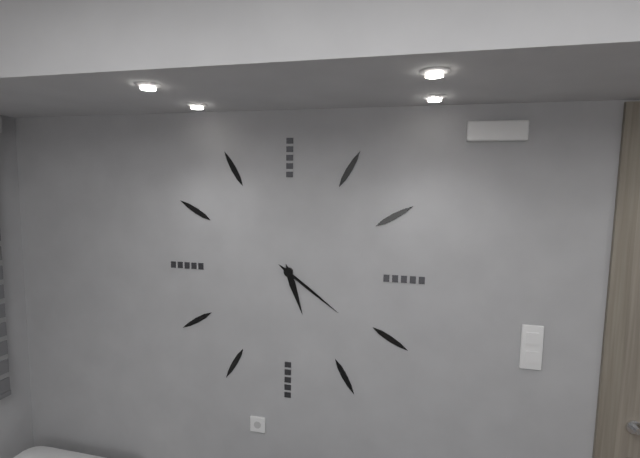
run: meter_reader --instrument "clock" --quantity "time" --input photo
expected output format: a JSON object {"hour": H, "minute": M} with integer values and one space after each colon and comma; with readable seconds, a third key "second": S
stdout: {"hour": 5, "minute": 21}
